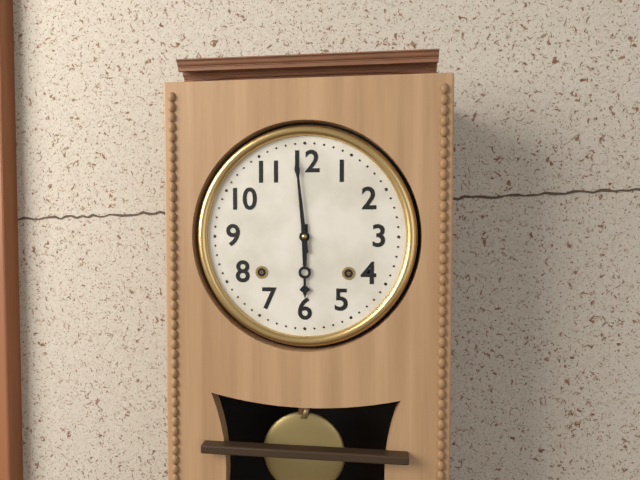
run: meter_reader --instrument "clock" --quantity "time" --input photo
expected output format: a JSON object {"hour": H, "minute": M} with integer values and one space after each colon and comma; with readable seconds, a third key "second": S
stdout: {"hour": 5, "minute": 59}
